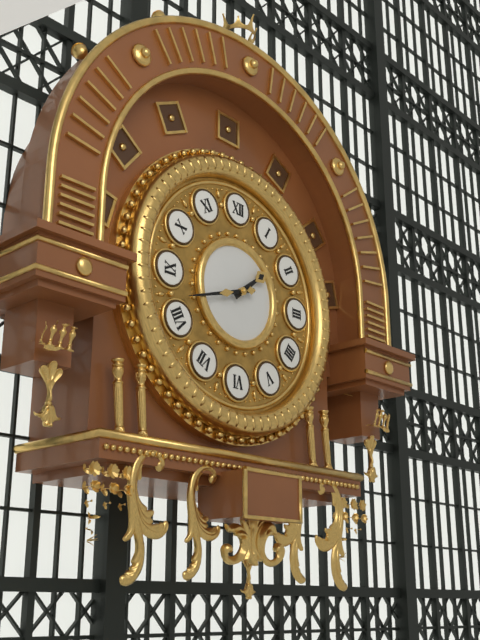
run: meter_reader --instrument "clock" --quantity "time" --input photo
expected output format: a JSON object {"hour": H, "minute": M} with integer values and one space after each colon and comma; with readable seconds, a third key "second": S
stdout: {"hour": 1, "minute": 42}
